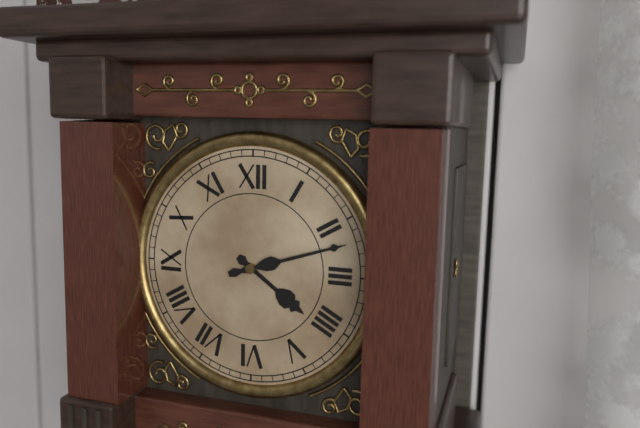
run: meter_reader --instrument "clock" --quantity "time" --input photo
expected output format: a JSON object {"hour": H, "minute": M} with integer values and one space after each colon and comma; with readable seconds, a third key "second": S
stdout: {"hour": 4, "minute": 12}
